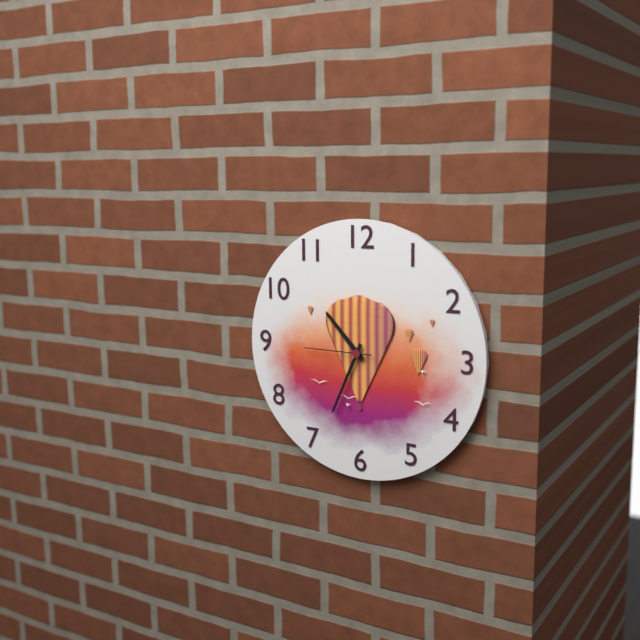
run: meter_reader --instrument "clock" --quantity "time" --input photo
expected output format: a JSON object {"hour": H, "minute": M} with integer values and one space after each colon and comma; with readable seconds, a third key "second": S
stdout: {"hour": 10, "minute": 34, "second": 45}
